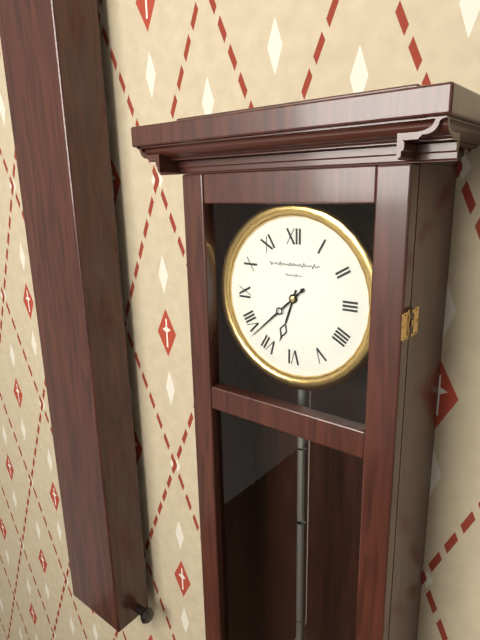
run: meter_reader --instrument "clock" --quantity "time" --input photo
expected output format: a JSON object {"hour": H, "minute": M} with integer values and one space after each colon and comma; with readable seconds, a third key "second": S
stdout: {"hour": 6, "minute": 38}
